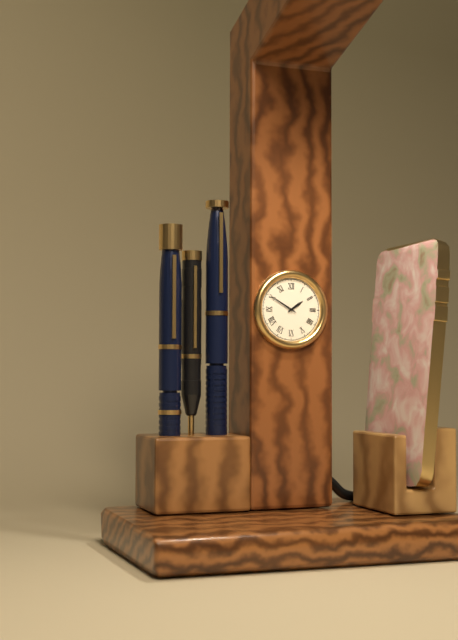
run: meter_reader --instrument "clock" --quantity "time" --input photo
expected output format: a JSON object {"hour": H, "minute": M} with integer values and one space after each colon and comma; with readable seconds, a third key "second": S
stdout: {"hour": 1, "minute": 50}
